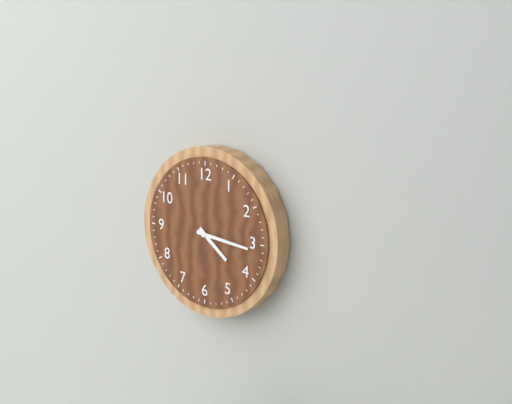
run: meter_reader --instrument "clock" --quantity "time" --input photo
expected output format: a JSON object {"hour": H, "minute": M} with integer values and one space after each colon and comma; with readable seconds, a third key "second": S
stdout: {"hour": 4, "minute": 16}
